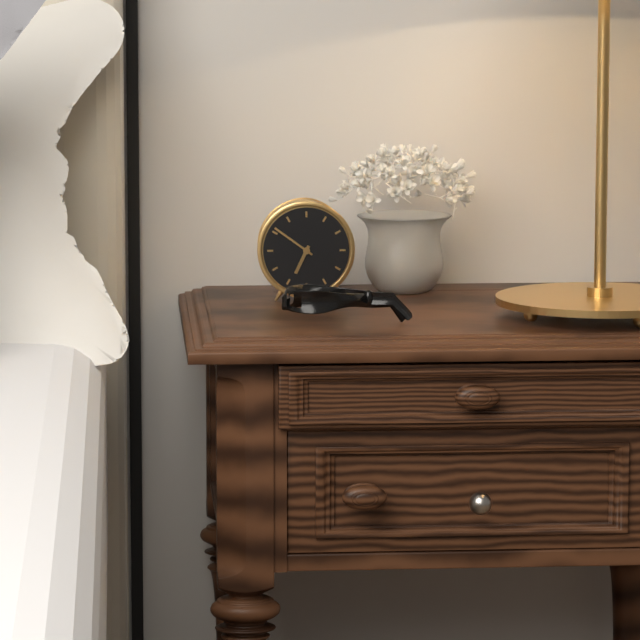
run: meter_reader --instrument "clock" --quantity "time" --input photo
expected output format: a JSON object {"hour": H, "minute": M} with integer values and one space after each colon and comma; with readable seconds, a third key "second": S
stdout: {"hour": 6, "minute": 51}
